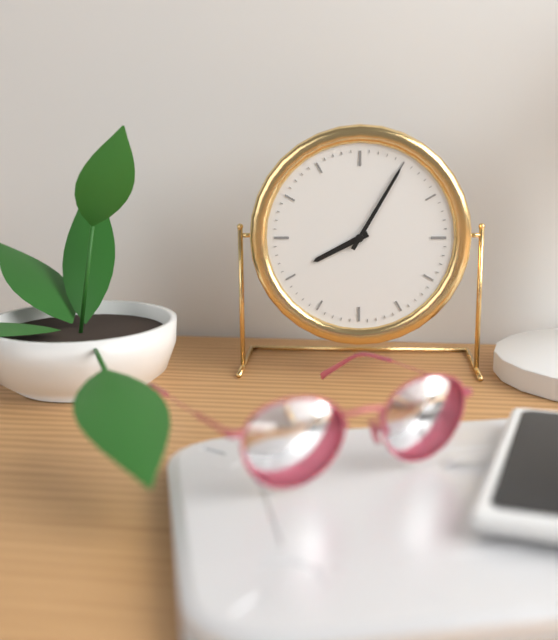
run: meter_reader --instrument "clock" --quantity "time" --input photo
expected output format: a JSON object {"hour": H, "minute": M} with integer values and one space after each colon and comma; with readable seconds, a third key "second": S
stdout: {"hour": 8, "minute": 5}
